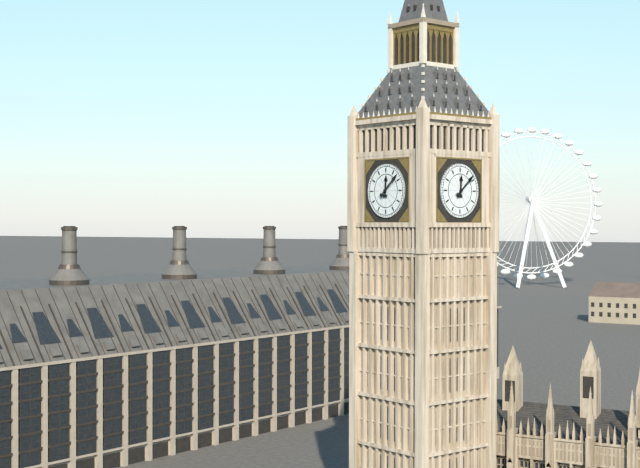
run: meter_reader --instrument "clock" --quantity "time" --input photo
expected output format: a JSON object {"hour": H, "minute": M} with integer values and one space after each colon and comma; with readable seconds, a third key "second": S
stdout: {"hour": 12, "minute": 8}
